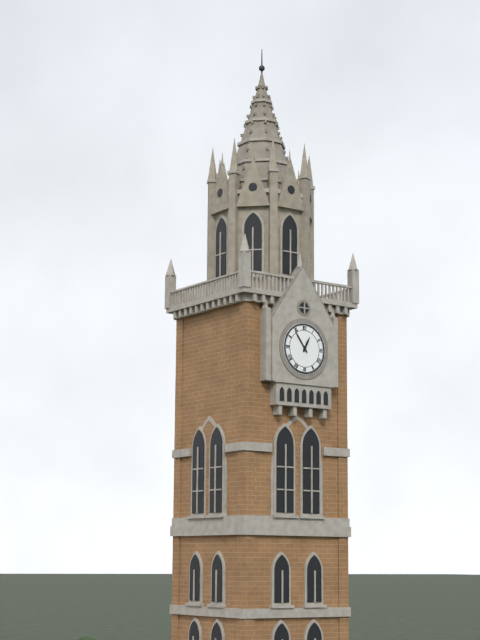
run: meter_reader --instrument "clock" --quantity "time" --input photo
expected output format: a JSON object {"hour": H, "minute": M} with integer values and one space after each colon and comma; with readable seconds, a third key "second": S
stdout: {"hour": 12, "minute": 54}
